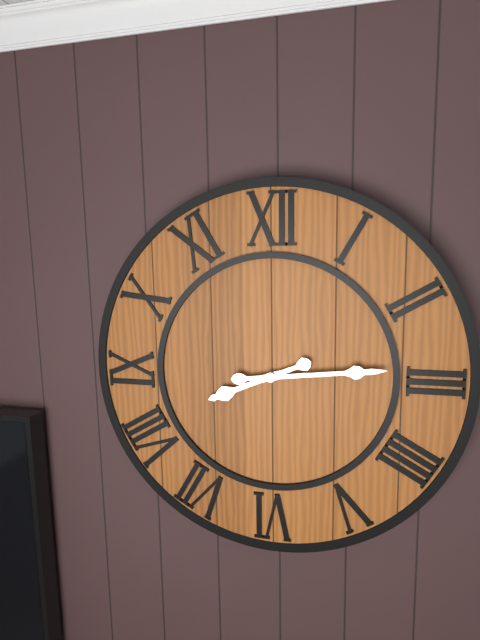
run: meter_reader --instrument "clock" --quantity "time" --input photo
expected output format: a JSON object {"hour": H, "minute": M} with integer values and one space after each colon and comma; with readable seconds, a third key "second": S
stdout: {"hour": 8, "minute": 14}
